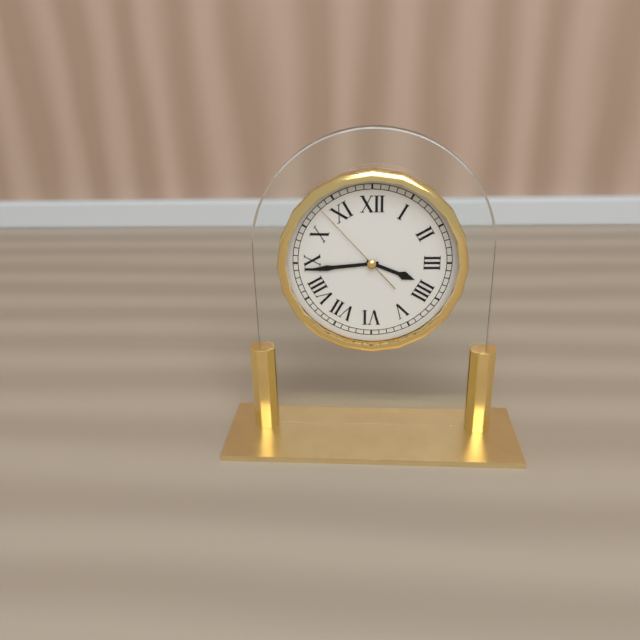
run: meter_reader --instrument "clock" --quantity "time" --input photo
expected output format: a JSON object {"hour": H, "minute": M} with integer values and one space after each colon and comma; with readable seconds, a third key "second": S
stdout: {"hour": 3, "minute": 44, "second": 53}
